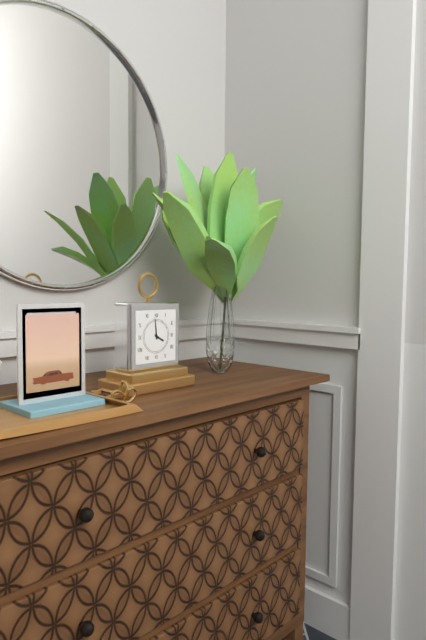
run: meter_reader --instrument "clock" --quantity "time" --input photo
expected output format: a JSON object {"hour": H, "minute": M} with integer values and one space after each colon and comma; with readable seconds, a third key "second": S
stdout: {"hour": 3, "minute": 59}
